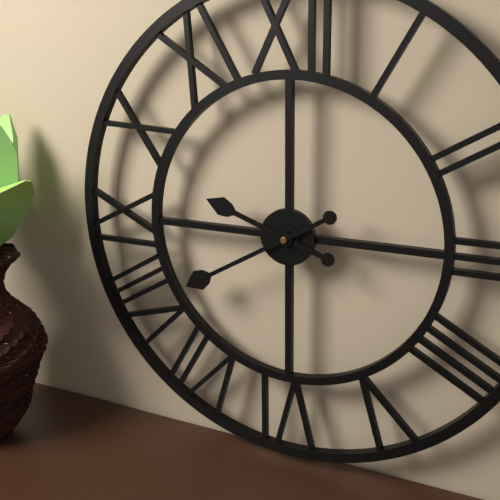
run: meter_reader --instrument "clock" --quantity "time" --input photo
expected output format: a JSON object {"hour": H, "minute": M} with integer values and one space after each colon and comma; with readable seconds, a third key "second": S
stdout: {"hour": 9, "minute": 40}
